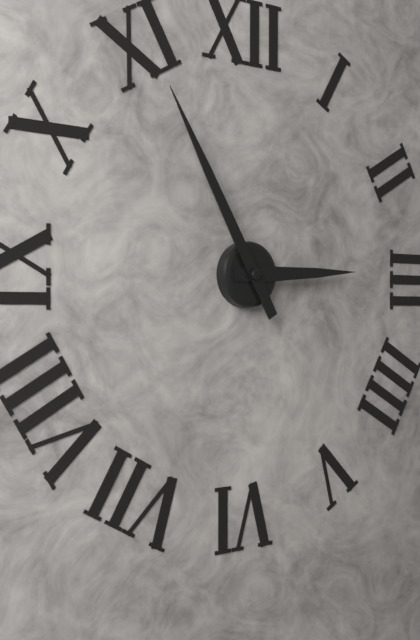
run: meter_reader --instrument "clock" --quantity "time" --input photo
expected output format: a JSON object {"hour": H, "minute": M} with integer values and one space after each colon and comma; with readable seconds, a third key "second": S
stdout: {"hour": 2, "minute": 55}
